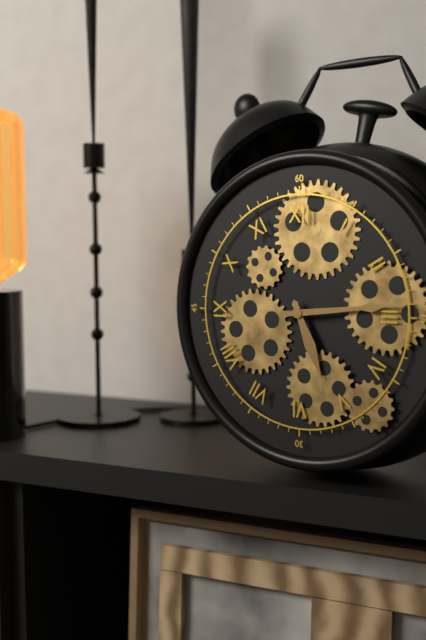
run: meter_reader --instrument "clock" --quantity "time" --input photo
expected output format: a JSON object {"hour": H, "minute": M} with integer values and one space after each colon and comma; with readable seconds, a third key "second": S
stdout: {"hour": 5, "minute": 14}
